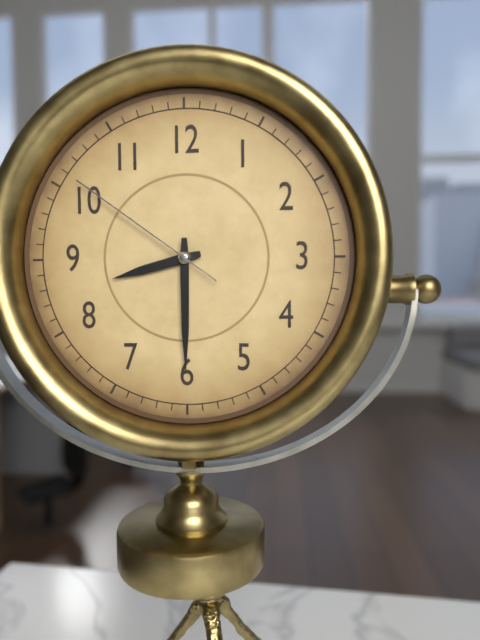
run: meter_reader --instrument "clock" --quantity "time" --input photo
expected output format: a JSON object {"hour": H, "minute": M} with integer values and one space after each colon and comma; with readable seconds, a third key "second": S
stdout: {"hour": 8, "minute": 30, "second": 51}
